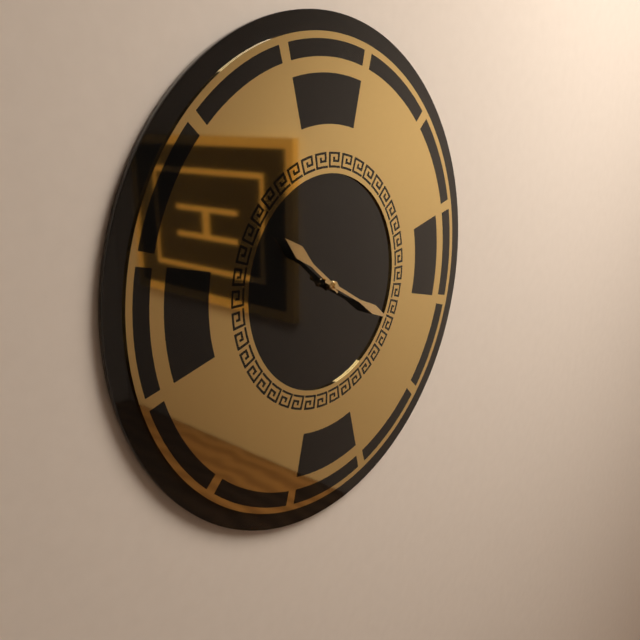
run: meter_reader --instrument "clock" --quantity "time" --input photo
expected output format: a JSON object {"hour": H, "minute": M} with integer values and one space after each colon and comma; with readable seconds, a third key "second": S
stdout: {"hour": 10, "minute": 20}
